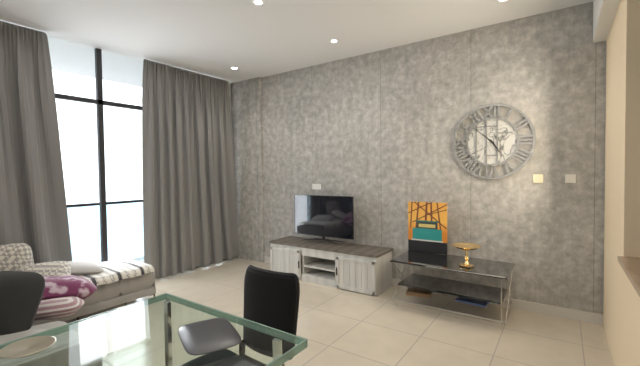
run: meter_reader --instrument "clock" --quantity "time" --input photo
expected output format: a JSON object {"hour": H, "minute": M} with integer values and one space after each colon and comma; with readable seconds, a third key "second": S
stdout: {"hour": 4, "minute": 52}
